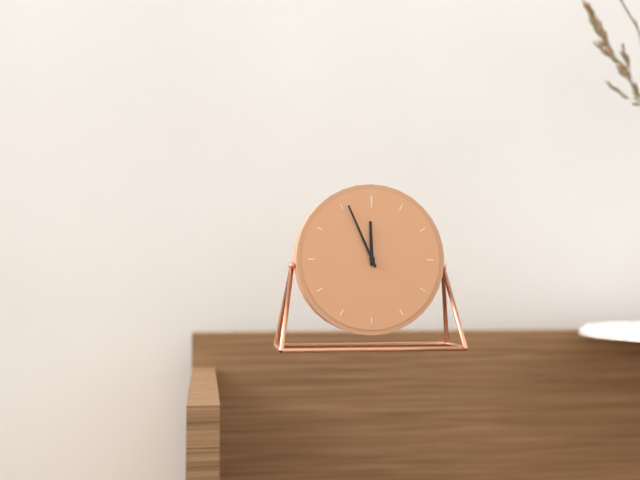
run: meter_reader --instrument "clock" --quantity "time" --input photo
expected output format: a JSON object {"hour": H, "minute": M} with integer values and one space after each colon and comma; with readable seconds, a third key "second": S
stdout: {"hour": 11, "minute": 56}
